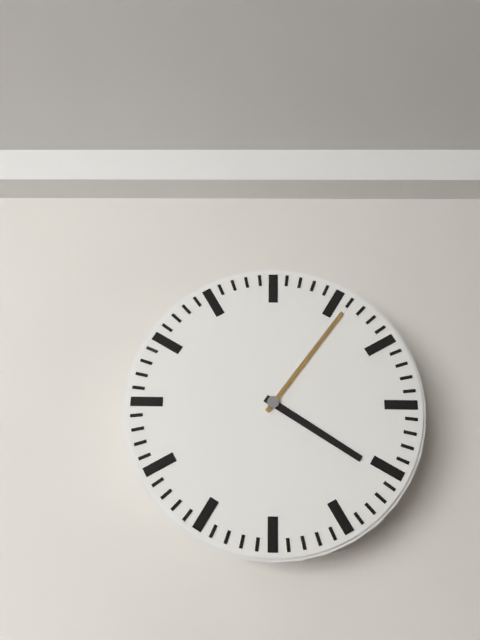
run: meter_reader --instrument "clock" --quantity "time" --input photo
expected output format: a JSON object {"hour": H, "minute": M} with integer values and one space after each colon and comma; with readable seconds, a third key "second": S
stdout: {"hour": 4, "minute": 6}
